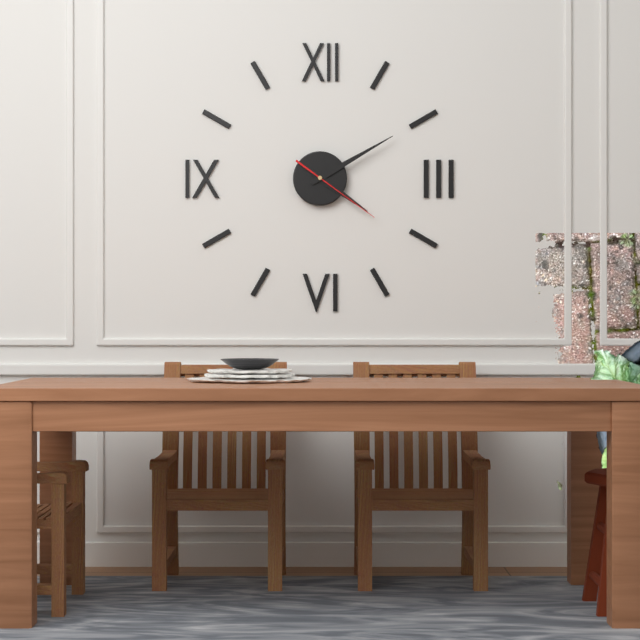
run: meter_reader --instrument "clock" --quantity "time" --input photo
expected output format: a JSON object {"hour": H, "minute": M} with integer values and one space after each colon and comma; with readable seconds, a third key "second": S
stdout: {"hour": 4, "minute": 10, "second": 21}
